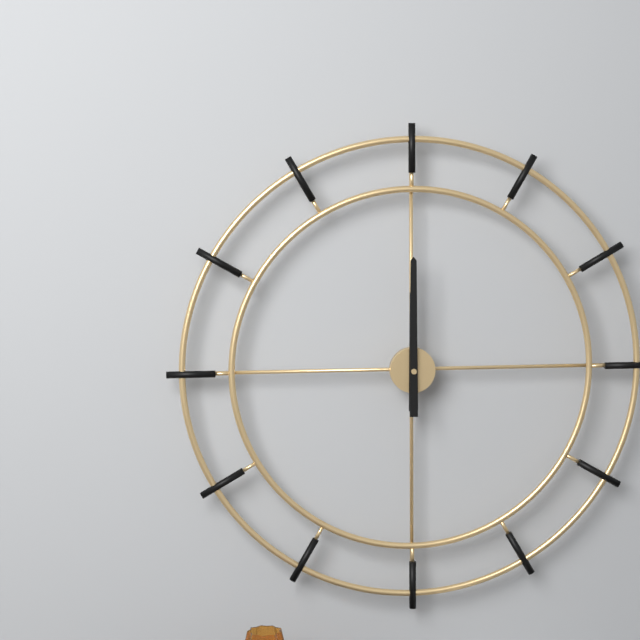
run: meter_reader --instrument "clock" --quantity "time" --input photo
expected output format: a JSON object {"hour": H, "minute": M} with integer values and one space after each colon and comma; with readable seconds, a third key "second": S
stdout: {"hour": 12, "minute": 0}
